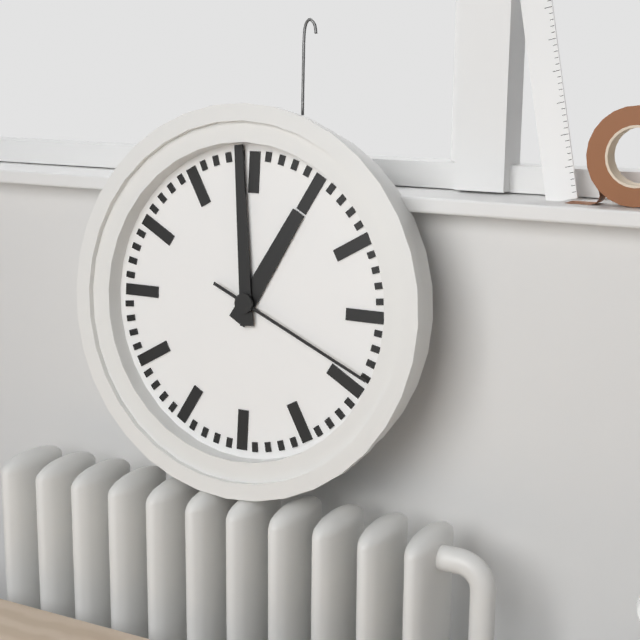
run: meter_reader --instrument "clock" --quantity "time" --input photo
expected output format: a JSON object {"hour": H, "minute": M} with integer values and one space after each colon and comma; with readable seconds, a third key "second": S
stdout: {"hour": 12, "minute": 59, "second": 19}
